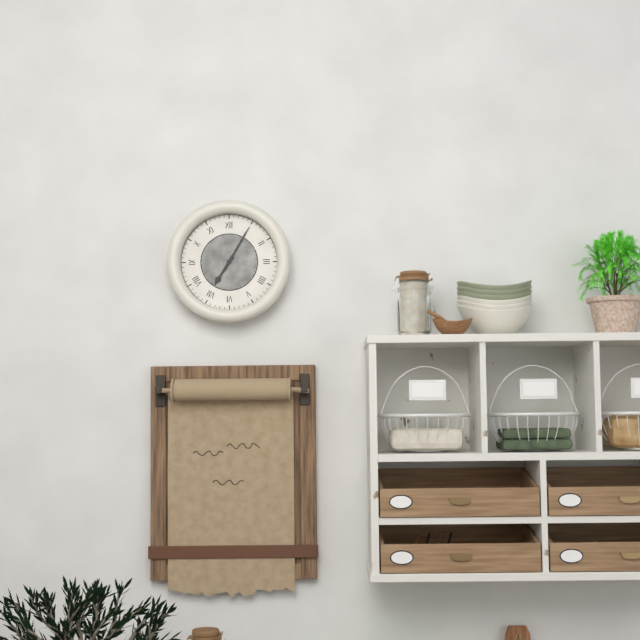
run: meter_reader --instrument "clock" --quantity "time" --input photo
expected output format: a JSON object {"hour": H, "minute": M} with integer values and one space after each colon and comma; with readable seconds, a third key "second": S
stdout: {"hour": 7, "minute": 5}
